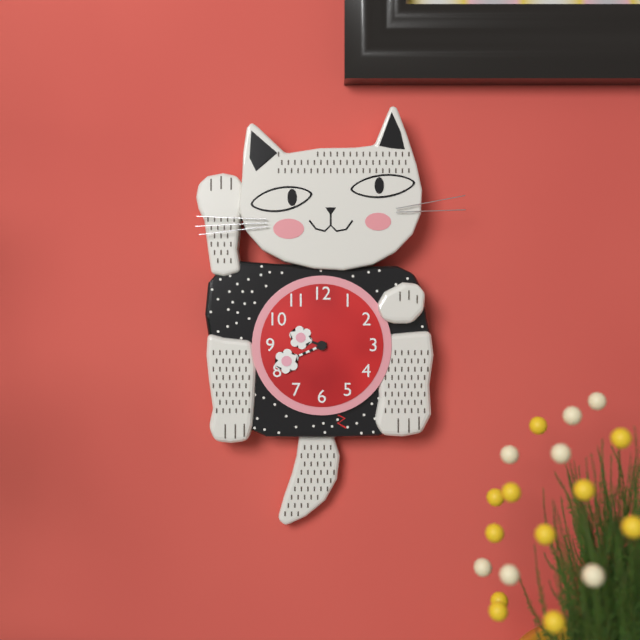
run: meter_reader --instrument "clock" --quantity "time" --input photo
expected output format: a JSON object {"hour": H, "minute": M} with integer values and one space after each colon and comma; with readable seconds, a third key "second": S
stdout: {"hour": 9, "minute": 41}
